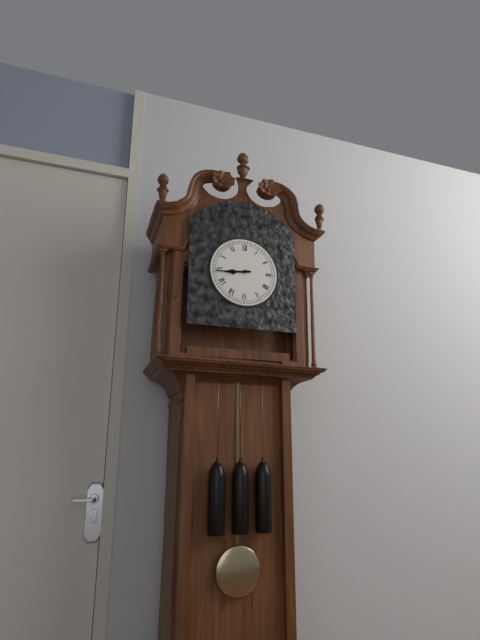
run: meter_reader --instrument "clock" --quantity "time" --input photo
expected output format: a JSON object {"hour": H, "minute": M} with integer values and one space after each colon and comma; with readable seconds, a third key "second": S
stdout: {"hour": 8, "minute": 44}
